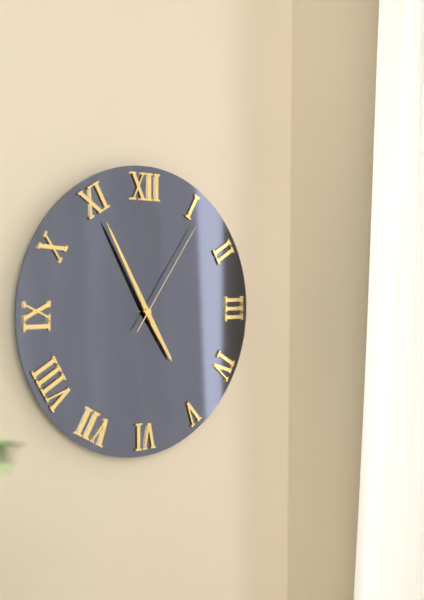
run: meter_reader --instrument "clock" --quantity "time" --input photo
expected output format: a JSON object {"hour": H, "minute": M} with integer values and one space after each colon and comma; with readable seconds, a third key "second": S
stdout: {"hour": 4, "minute": 55, "second": 6}
